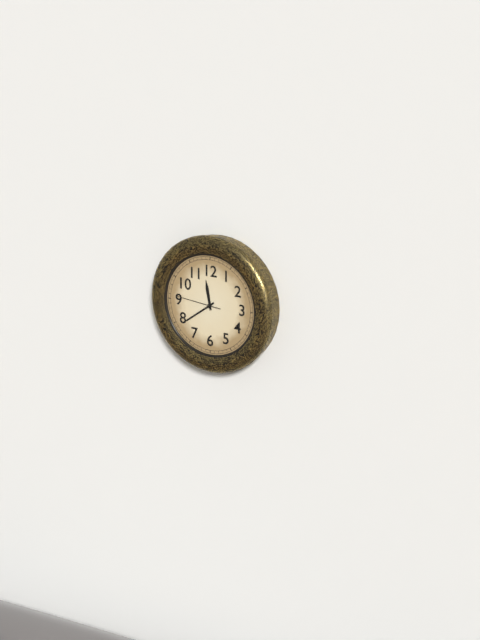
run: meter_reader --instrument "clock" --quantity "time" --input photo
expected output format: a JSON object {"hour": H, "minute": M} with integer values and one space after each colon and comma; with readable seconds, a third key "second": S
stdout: {"hour": 11, "minute": 39}
